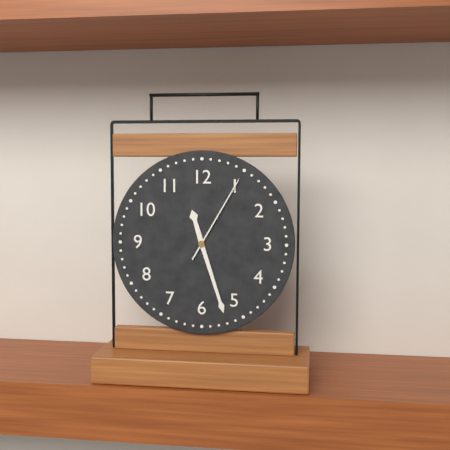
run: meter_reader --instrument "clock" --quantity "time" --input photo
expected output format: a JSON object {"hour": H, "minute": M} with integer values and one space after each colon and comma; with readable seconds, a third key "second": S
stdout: {"hour": 11, "minute": 27, "second": 5}
